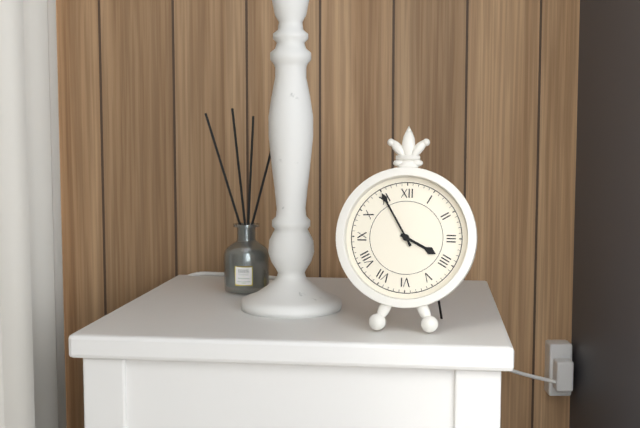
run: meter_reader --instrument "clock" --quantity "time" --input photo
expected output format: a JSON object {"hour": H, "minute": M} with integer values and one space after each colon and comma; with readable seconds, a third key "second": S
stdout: {"hour": 3, "minute": 55}
